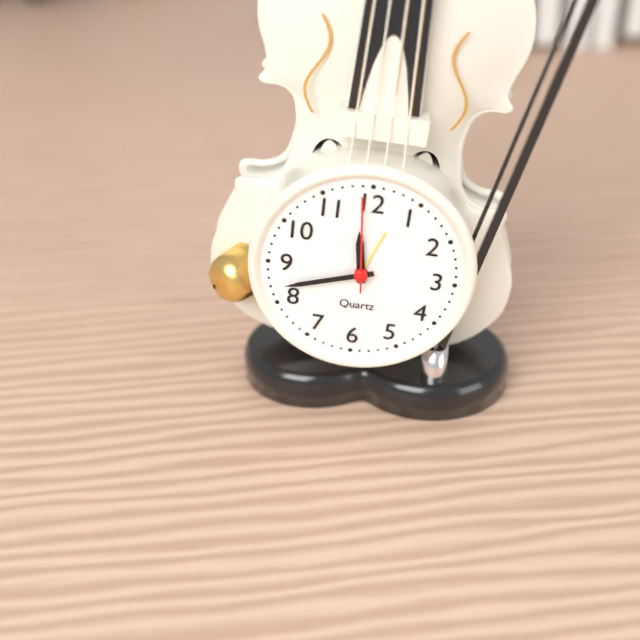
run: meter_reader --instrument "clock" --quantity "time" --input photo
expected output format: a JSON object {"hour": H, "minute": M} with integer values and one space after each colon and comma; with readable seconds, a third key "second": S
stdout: {"hour": 11, "minute": 42, "second": 59}
